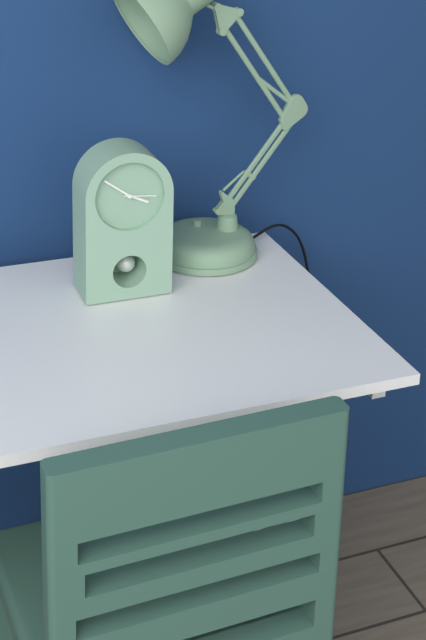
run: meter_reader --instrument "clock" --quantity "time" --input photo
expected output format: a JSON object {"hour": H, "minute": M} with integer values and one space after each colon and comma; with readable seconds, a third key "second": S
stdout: {"hour": 3, "minute": 51}
